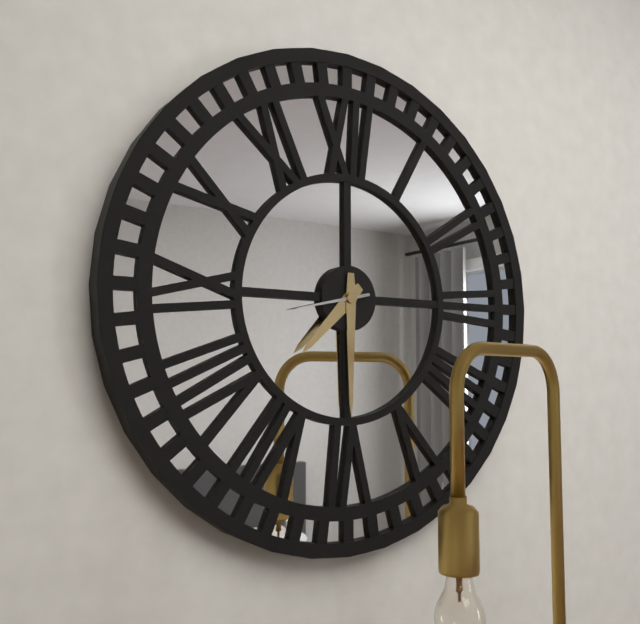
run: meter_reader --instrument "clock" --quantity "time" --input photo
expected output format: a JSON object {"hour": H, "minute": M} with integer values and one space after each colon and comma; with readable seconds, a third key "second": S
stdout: {"hour": 7, "minute": 30, "second": 43}
